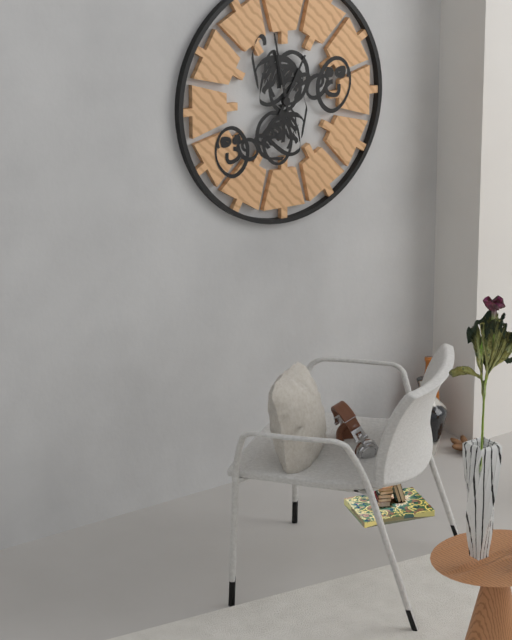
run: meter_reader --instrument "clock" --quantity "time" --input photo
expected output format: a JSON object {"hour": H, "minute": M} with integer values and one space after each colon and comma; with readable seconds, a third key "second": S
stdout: {"hour": 12, "minute": 58}
